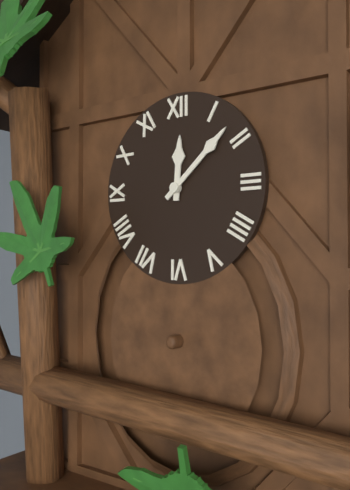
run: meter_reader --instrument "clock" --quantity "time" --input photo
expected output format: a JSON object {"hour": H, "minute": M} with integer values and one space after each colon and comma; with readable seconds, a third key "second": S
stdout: {"hour": 12, "minute": 8}
